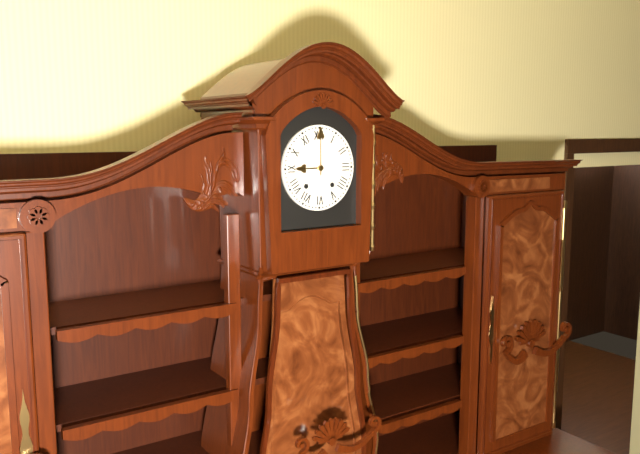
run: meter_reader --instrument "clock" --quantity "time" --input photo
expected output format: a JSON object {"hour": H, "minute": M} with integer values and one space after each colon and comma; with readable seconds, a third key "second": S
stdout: {"hour": 9, "minute": 0}
